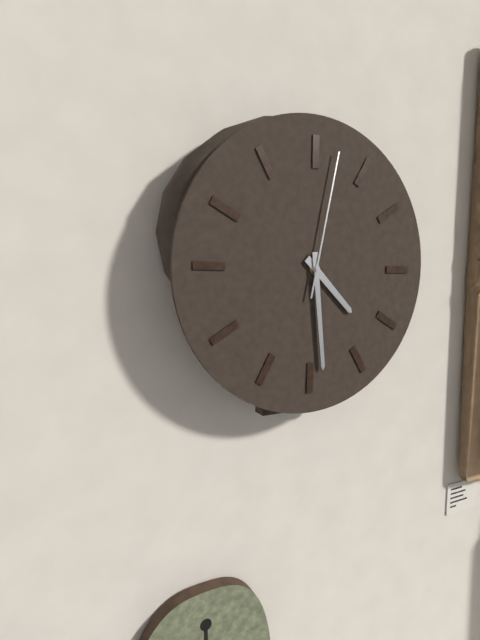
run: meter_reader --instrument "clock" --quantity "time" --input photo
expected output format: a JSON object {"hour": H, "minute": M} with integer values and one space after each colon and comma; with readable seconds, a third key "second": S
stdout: {"hour": 4, "minute": 29, "second": 2}
